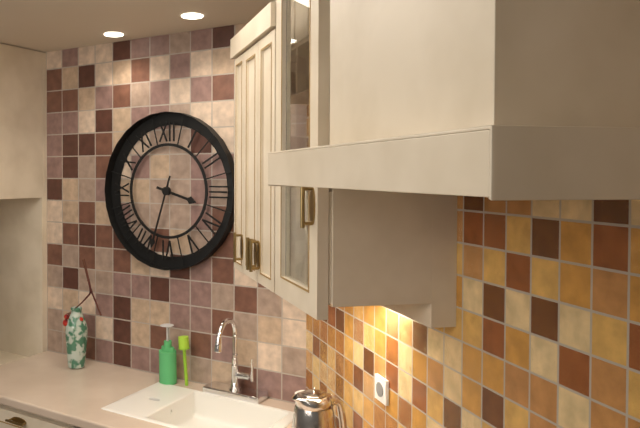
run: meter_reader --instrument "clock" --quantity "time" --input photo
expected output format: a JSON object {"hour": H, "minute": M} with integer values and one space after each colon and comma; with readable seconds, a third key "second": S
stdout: {"hour": 3, "minute": 33}
